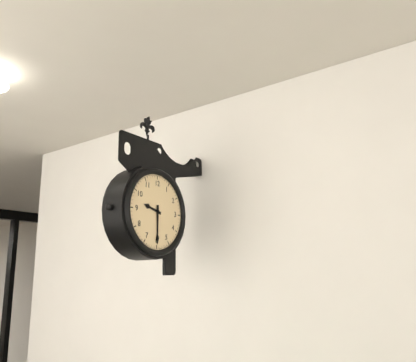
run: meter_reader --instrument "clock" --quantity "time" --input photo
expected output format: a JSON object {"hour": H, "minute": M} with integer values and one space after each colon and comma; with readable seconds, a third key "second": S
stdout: {"hour": 9, "minute": 30}
